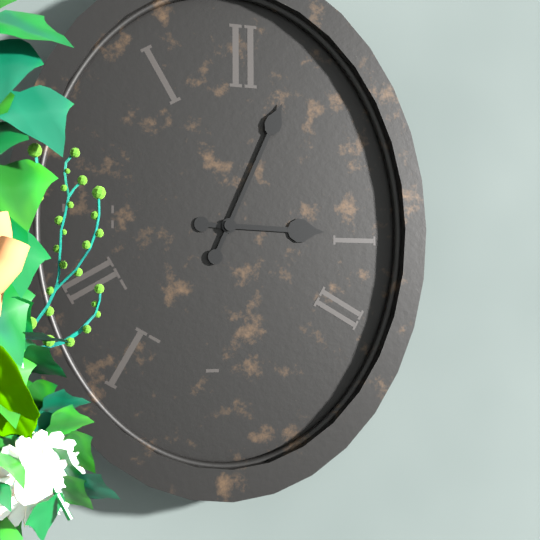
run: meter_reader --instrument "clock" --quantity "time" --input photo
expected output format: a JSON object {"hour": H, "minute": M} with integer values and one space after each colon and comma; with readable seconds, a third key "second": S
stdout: {"hour": 3, "minute": 4}
